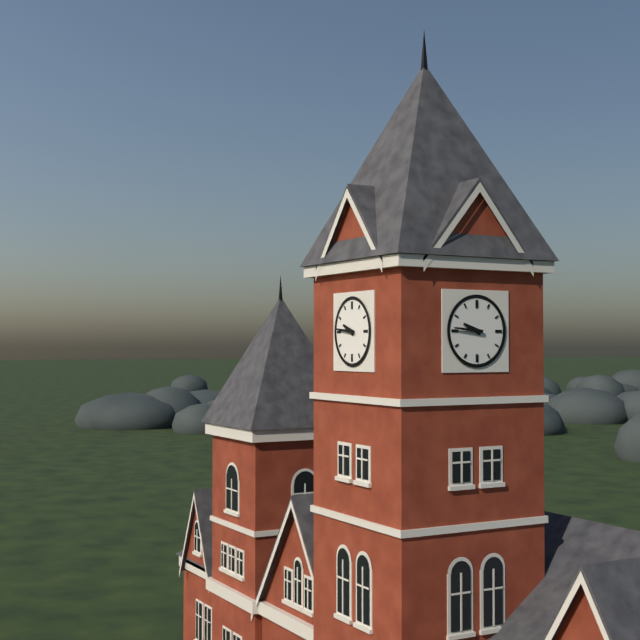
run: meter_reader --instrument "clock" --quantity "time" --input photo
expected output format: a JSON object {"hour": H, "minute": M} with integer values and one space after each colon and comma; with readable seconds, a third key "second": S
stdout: {"hour": 9, "minute": 46}
